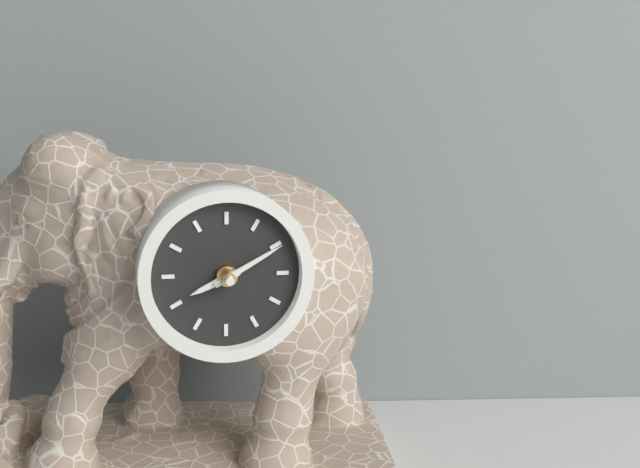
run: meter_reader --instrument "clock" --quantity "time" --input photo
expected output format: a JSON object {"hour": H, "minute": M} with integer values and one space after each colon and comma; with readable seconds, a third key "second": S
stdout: {"hour": 8, "minute": 10}
